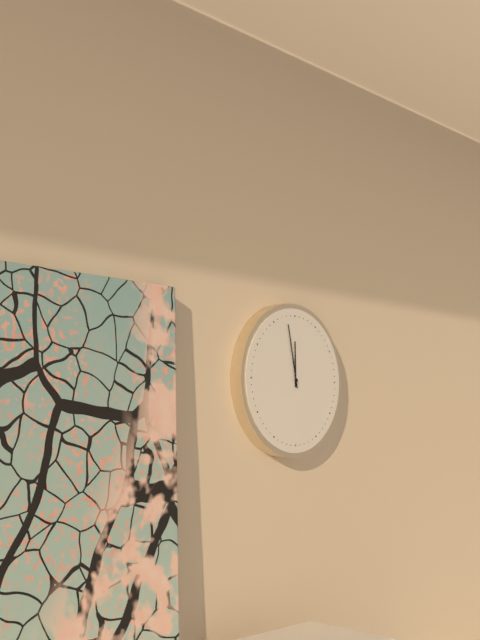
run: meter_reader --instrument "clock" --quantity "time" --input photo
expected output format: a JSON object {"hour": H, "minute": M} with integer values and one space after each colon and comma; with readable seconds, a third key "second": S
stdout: {"hour": 11, "minute": 58}
